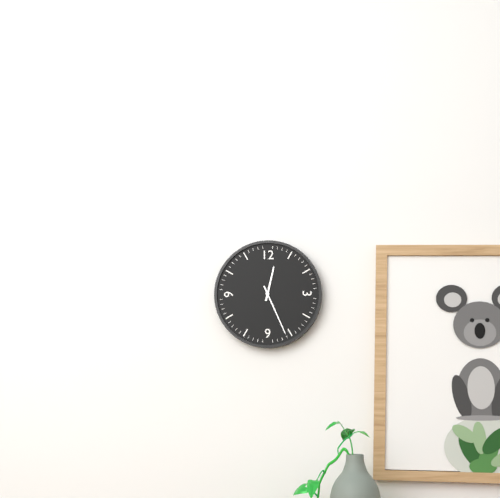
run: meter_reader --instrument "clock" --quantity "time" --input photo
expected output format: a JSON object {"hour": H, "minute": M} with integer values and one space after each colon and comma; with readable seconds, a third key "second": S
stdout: {"hour": 12, "minute": 26}
